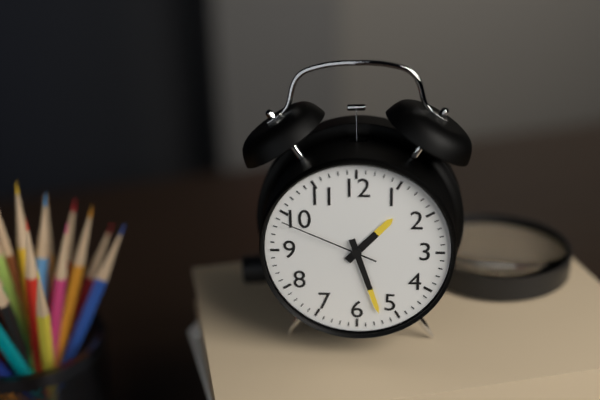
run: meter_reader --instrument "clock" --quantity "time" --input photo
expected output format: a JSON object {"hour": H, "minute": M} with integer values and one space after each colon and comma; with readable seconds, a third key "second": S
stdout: {"hour": 1, "minute": 27, "second": 49}
